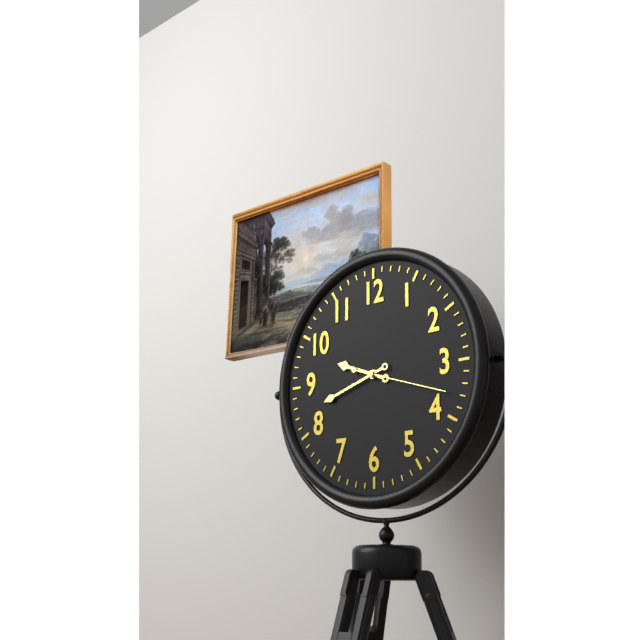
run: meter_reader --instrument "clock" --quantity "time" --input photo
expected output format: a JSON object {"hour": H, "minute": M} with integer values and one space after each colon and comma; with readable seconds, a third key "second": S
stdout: {"hour": 9, "minute": 42, "second": 18}
